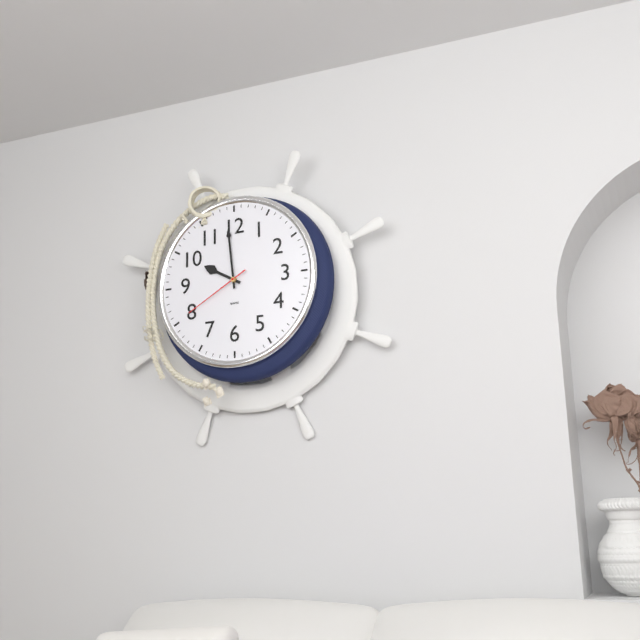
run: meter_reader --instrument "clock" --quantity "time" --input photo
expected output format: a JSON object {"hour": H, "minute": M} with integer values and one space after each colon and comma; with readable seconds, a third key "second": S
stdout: {"hour": 9, "minute": 59, "second": 40}
